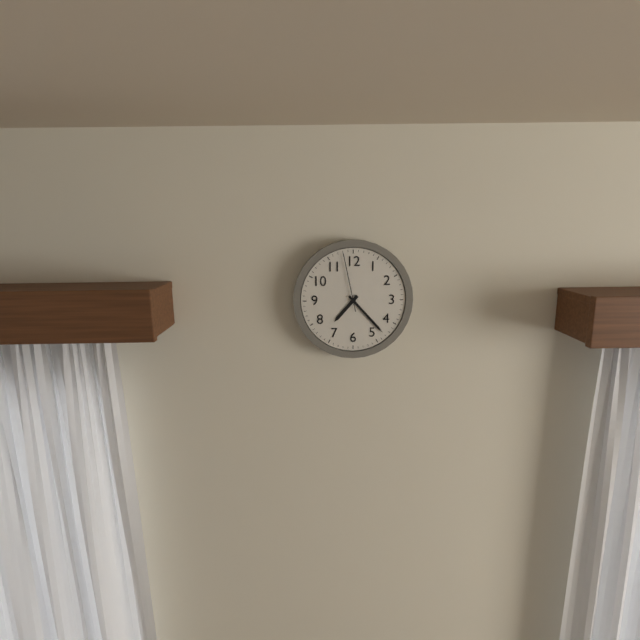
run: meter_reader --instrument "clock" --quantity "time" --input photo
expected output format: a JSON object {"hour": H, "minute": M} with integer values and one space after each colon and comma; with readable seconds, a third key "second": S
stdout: {"hour": 7, "minute": 23, "second": 58}
